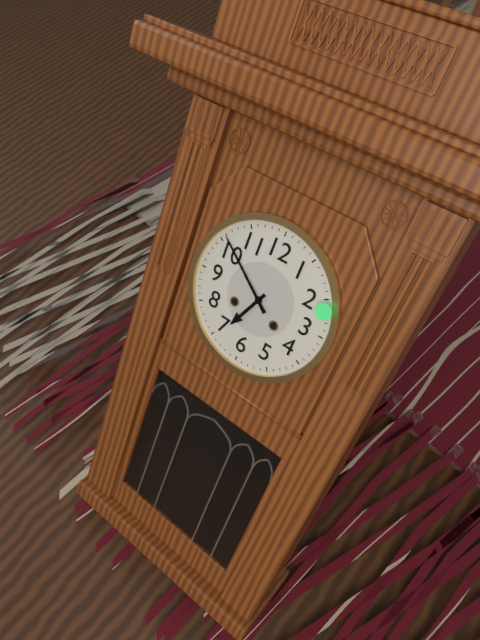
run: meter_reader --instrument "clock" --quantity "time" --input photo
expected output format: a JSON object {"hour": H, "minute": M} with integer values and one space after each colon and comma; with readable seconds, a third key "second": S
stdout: {"hour": 6, "minute": 51}
